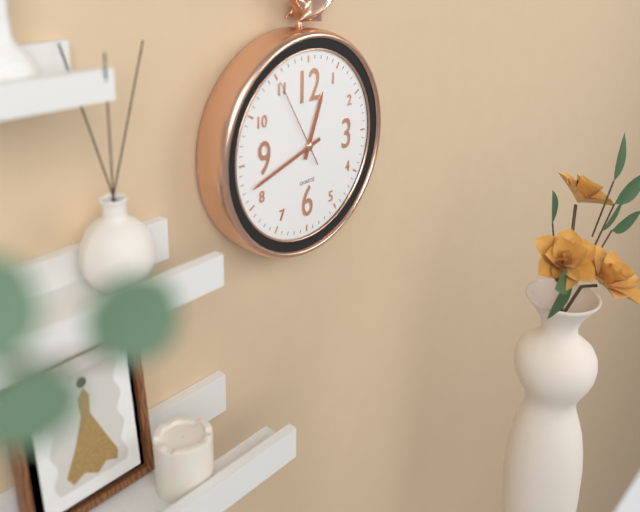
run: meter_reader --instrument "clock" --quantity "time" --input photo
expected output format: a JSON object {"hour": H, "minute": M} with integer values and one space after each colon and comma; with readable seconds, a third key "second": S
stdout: {"hour": 12, "minute": 42, "second": 55}
